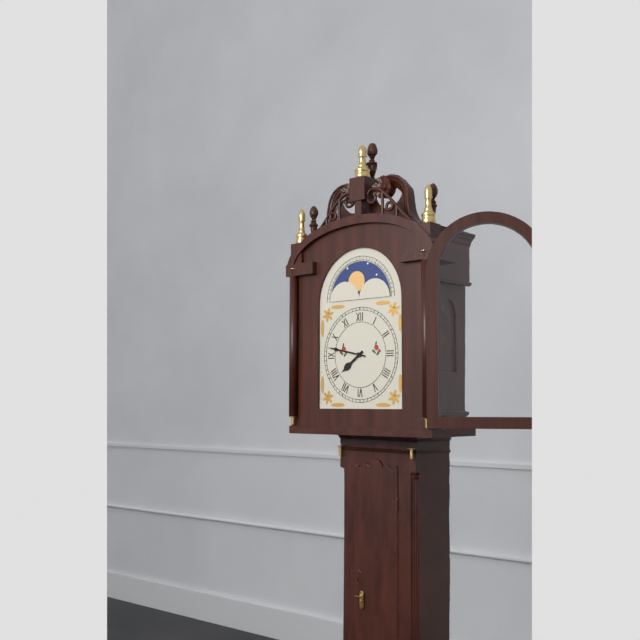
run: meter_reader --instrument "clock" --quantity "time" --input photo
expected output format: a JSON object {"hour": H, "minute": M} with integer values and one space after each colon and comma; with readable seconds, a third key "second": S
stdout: {"hour": 7, "minute": 47}
